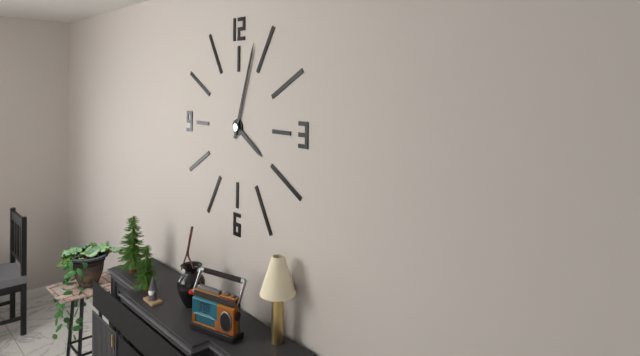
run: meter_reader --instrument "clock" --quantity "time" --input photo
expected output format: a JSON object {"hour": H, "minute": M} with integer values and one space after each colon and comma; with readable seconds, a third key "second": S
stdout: {"hour": 4, "minute": 3}
